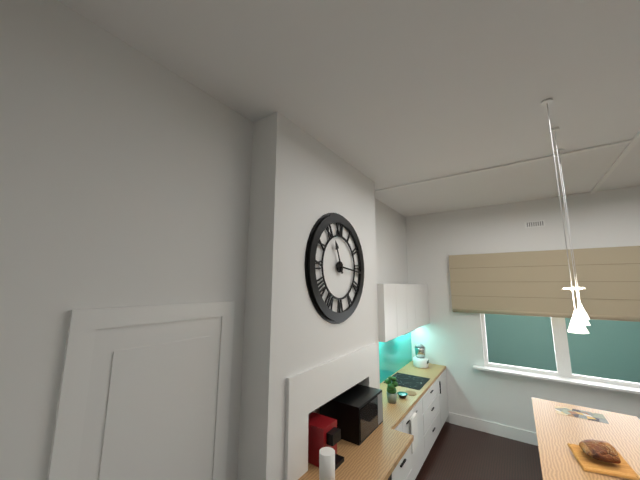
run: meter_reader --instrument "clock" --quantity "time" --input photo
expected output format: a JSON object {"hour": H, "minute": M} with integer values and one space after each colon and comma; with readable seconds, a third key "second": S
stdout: {"hour": 11, "minute": 16}
